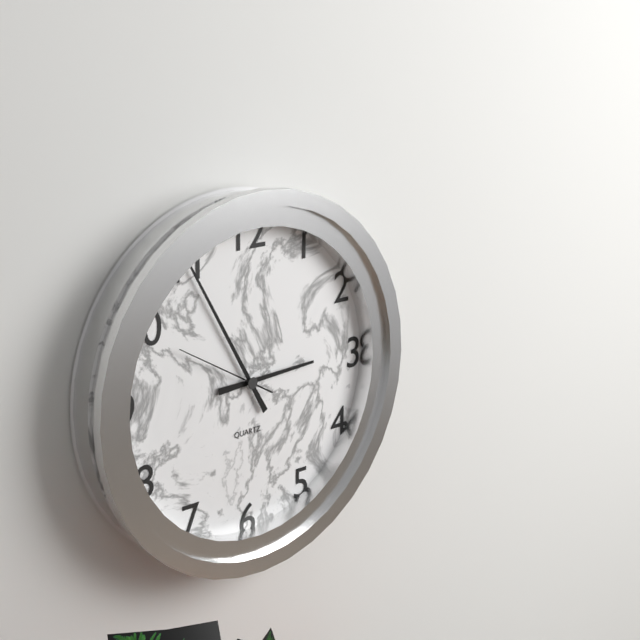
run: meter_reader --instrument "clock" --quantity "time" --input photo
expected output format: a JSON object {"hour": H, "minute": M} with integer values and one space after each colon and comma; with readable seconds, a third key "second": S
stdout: {"hour": 2, "minute": 55, "second": 50}
